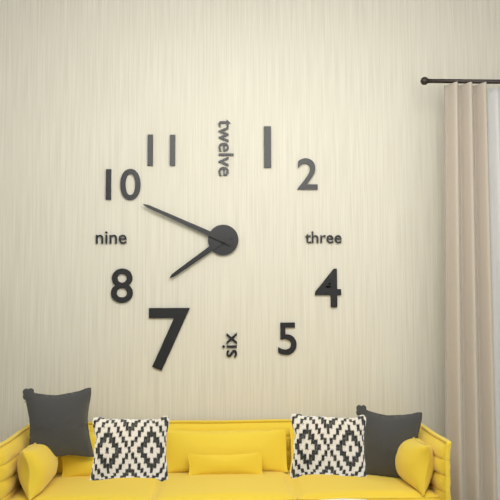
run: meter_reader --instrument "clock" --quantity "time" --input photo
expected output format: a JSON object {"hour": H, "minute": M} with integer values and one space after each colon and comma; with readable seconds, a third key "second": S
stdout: {"hour": 7, "minute": 49}
